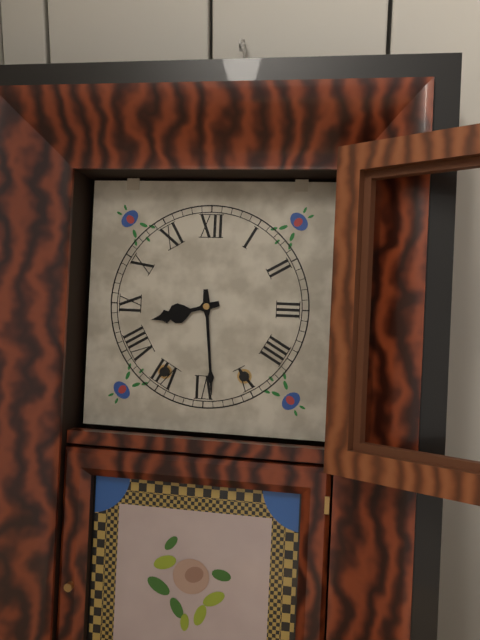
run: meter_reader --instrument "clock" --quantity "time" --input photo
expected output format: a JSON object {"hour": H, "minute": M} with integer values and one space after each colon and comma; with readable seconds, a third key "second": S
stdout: {"hour": 8, "minute": 29}
